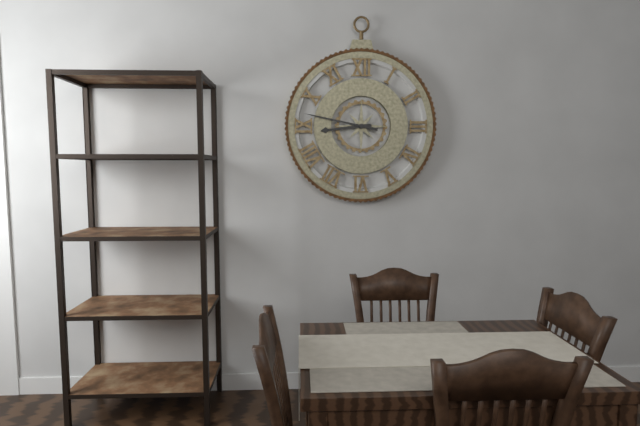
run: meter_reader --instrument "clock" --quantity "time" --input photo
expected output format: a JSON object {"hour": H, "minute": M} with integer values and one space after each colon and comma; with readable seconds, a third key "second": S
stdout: {"hour": 8, "minute": 47}
